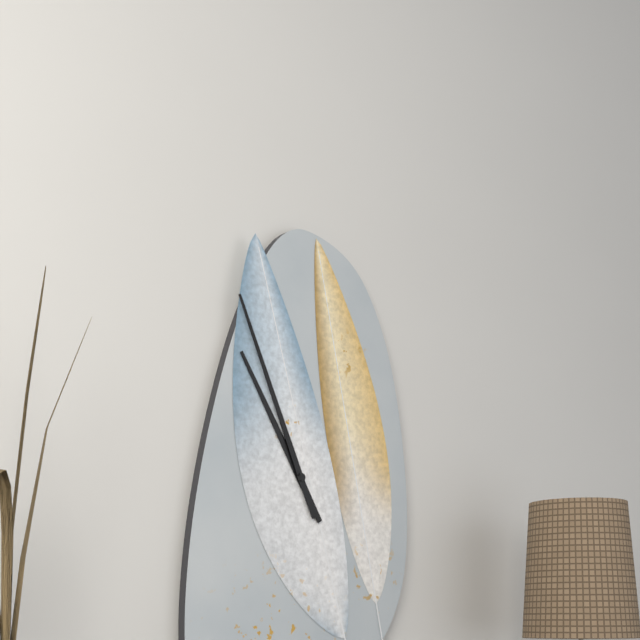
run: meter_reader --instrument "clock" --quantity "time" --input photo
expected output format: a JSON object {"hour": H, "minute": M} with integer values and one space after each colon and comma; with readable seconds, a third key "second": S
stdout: {"hour": 10, "minute": 56}
